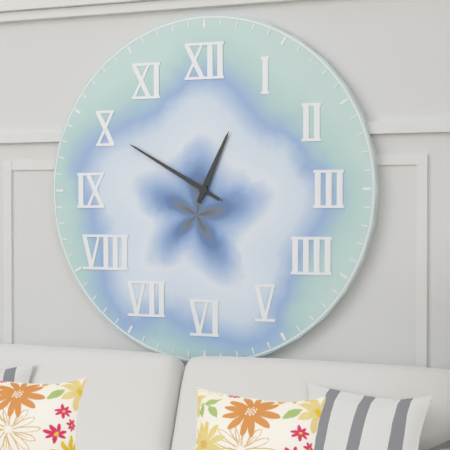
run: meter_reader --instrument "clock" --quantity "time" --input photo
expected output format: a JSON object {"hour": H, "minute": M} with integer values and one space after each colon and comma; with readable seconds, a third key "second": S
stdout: {"hour": 12, "minute": 50}
